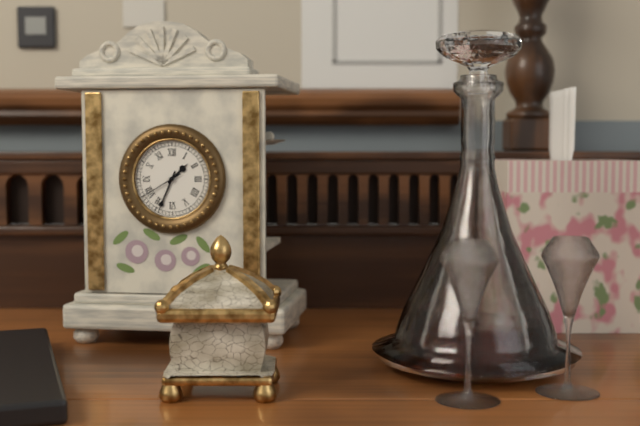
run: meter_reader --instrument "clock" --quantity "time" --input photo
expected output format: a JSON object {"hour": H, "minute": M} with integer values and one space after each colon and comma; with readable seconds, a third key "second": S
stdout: {"hour": 1, "minute": 34}
